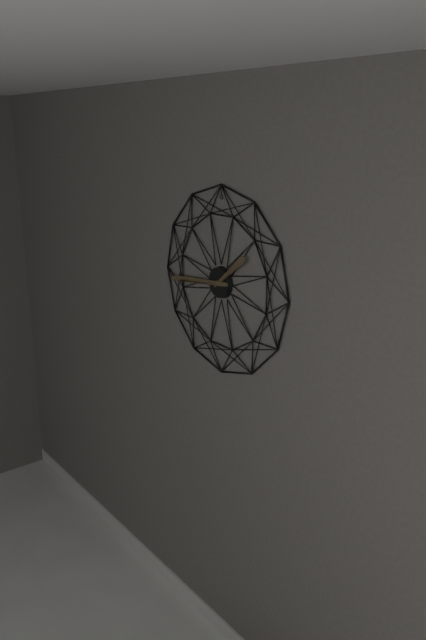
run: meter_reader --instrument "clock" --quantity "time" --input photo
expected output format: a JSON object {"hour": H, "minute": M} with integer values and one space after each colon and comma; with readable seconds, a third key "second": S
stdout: {"hour": 1, "minute": 44}
